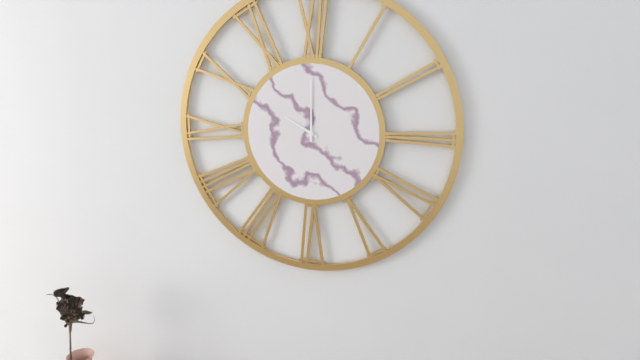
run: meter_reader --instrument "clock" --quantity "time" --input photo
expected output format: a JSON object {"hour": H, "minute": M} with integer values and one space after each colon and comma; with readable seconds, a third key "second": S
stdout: {"hour": 10, "minute": 0}
